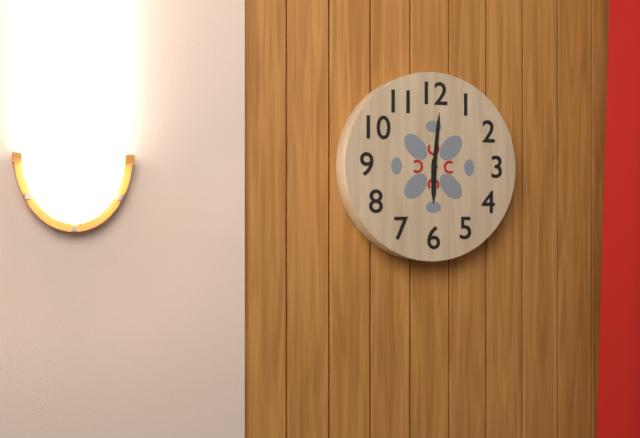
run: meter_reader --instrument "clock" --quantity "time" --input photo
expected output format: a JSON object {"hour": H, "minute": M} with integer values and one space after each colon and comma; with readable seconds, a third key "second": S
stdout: {"hour": 6, "minute": 1}
